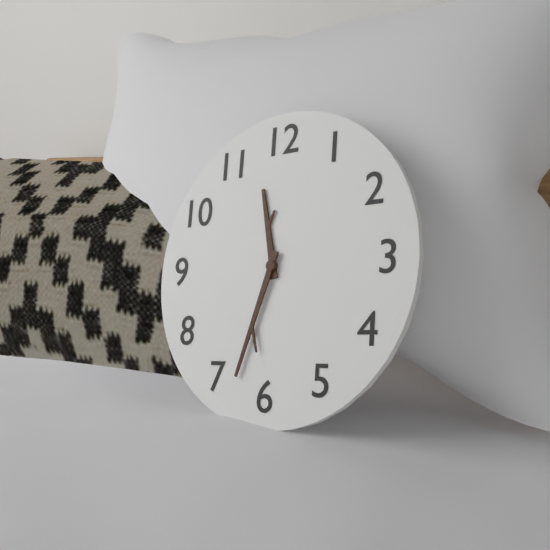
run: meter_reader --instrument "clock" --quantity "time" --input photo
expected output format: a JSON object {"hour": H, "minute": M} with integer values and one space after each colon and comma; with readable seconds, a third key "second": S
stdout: {"hour": 11, "minute": 33}
